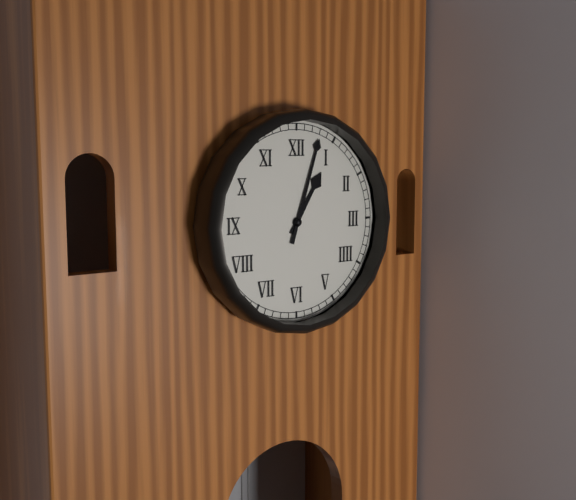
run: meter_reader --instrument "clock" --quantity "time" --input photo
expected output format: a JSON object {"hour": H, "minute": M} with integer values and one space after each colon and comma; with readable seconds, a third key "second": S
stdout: {"hour": 1, "minute": 3}
